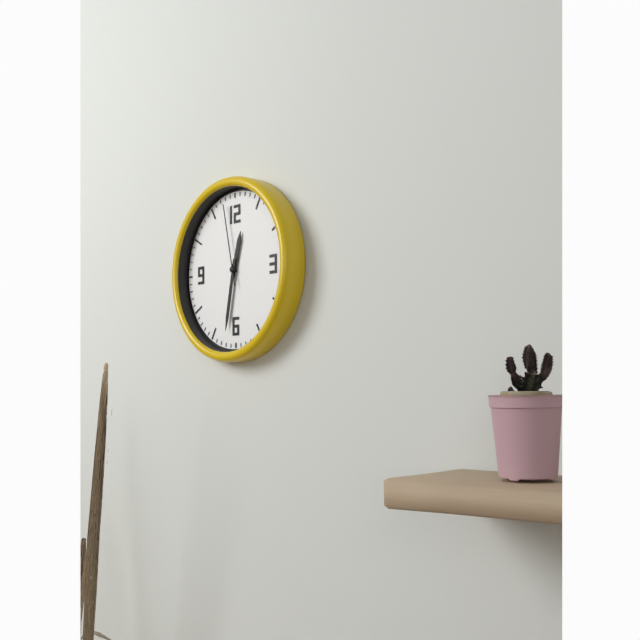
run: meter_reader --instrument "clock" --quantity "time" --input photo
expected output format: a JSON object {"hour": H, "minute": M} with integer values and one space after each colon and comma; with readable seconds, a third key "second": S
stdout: {"hour": 12, "minute": 32, "second": 58}
